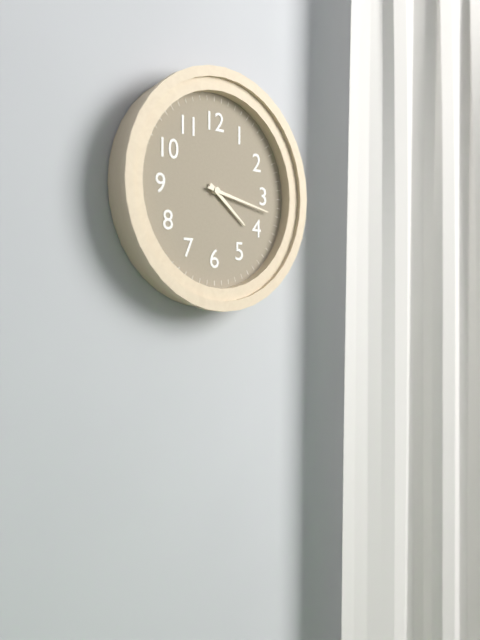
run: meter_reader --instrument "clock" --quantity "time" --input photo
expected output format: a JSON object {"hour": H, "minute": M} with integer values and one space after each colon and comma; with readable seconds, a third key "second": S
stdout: {"hour": 4, "minute": 17}
